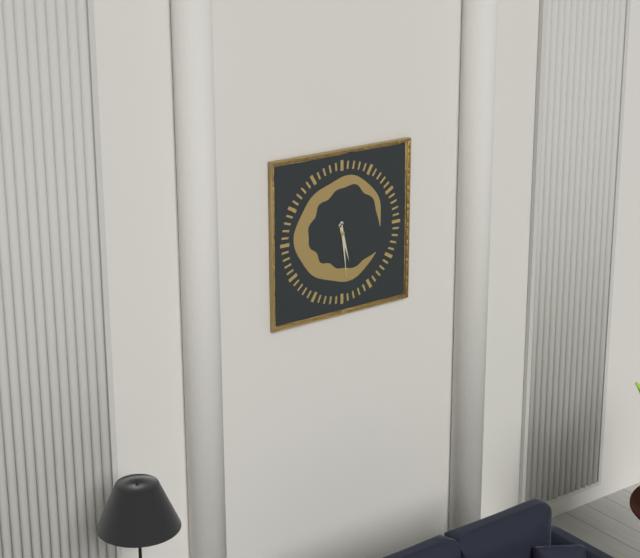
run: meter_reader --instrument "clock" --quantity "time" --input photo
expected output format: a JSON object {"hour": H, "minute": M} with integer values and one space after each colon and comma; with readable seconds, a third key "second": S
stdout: {"hour": 5, "minute": 29}
